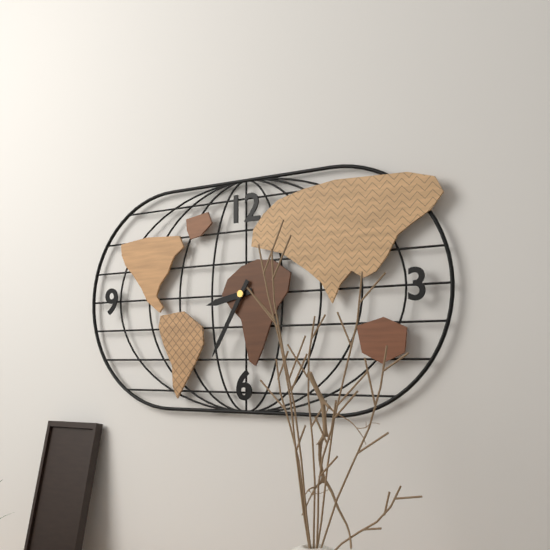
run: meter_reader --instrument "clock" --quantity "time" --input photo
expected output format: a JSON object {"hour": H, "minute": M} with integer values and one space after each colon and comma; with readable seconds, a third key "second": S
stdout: {"hour": 8, "minute": 35}
